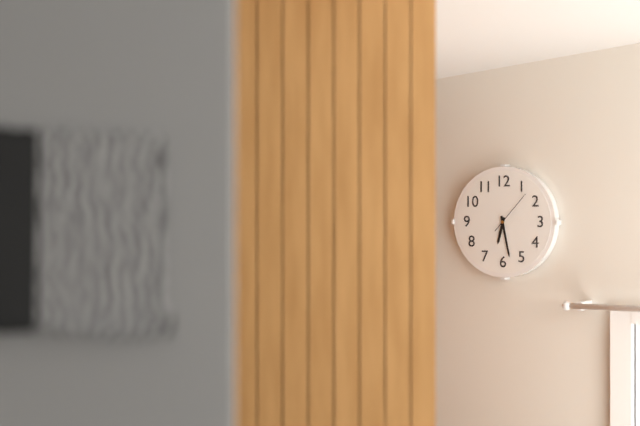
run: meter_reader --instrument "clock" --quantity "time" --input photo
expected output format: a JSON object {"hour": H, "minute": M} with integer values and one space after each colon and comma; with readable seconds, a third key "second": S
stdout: {"hour": 6, "minute": 28}
